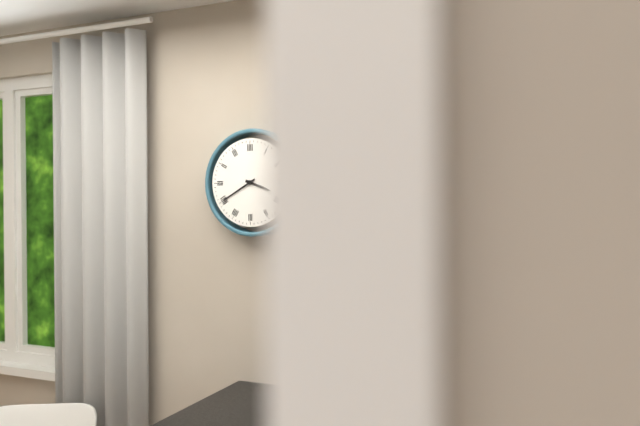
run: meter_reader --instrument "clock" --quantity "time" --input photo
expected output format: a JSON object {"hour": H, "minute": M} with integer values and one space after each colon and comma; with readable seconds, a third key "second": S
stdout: {"hour": 3, "minute": 40}
